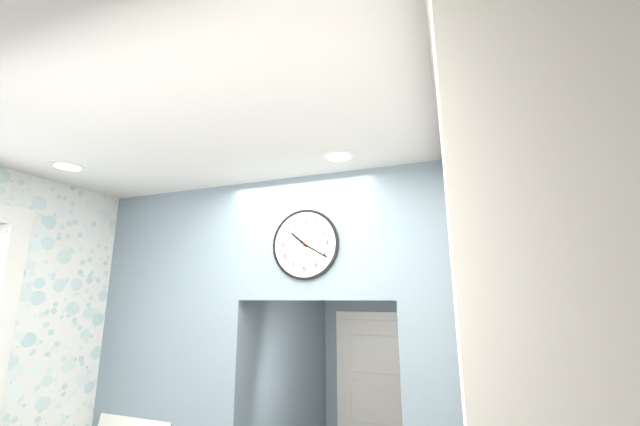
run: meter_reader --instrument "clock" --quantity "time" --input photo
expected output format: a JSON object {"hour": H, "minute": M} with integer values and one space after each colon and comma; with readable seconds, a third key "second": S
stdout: {"hour": 10, "minute": 20}
